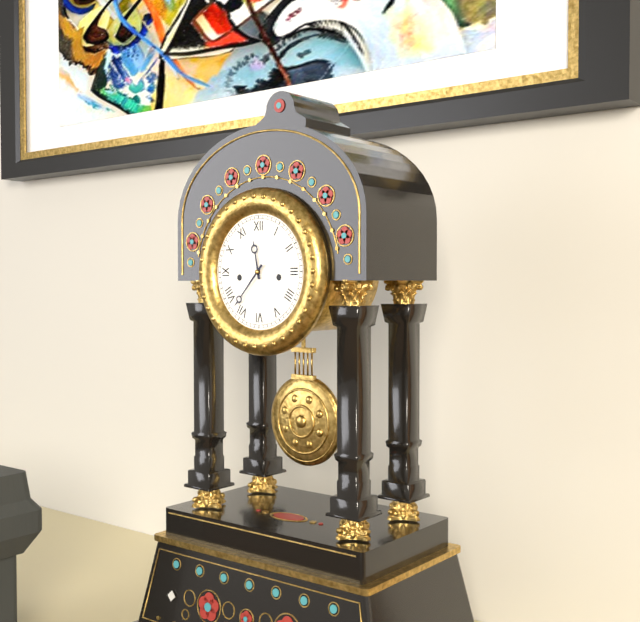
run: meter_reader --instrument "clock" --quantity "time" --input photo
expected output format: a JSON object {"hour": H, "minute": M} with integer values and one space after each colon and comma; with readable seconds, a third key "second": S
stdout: {"hour": 11, "minute": 37}
